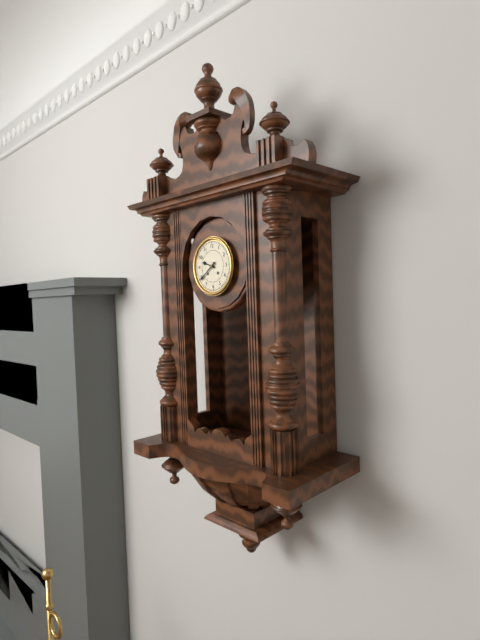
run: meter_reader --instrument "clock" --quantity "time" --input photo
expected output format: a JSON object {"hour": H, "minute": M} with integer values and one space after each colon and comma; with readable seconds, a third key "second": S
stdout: {"hour": 9, "minute": 39}
